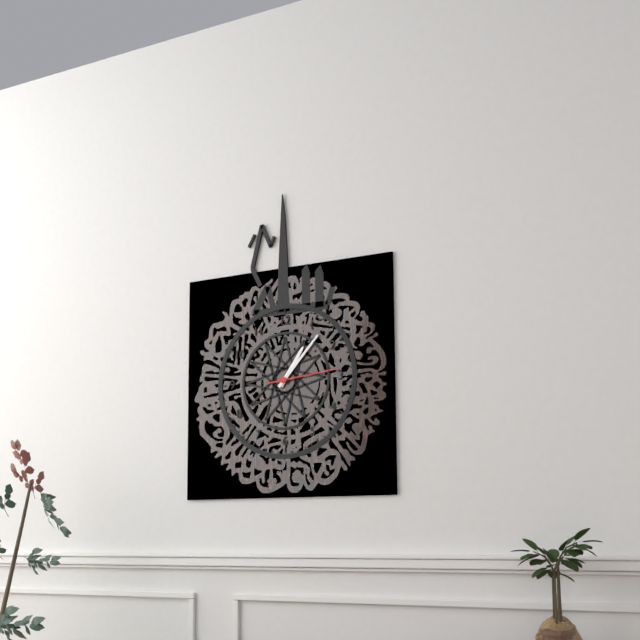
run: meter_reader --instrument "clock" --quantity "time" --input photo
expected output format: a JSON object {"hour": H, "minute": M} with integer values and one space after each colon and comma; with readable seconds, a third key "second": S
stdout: {"hour": 1, "minute": 7, "second": 14}
